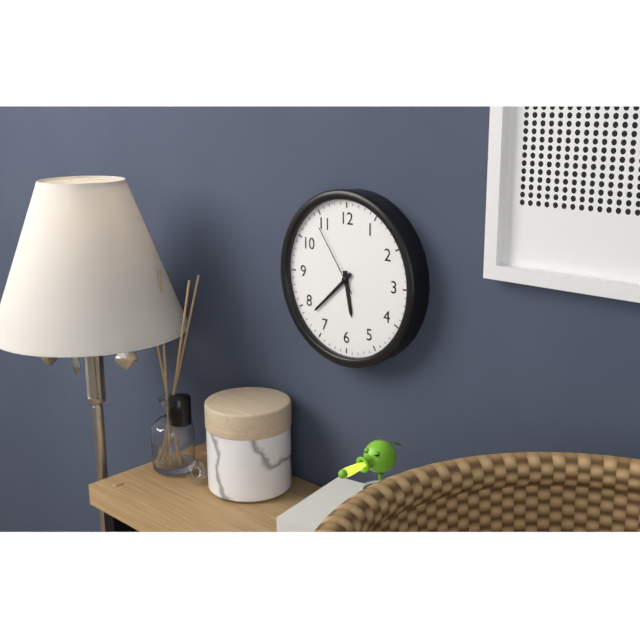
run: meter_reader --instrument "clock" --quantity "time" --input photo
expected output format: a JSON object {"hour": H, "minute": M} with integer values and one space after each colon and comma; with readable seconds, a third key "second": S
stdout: {"hour": 5, "minute": 38, "second": 54}
